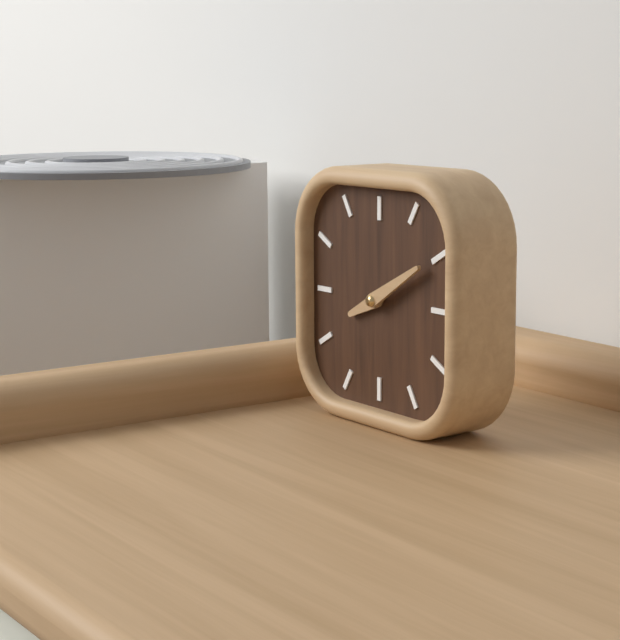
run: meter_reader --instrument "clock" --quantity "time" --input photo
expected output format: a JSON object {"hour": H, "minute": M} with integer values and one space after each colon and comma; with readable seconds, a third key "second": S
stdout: {"hour": 8, "minute": 10}
